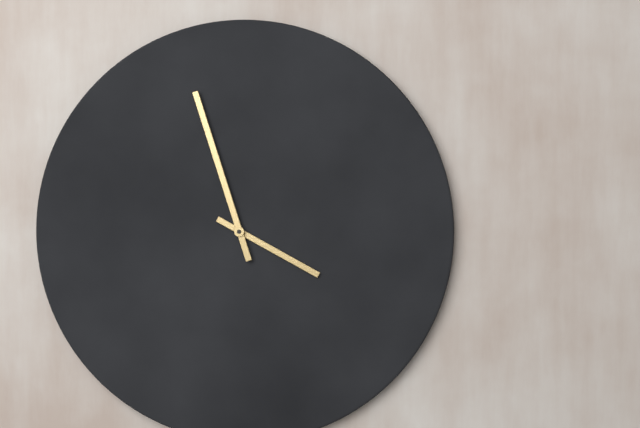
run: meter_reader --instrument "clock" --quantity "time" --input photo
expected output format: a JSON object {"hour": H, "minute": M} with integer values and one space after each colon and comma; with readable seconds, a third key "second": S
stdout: {"hour": 3, "minute": 57}
